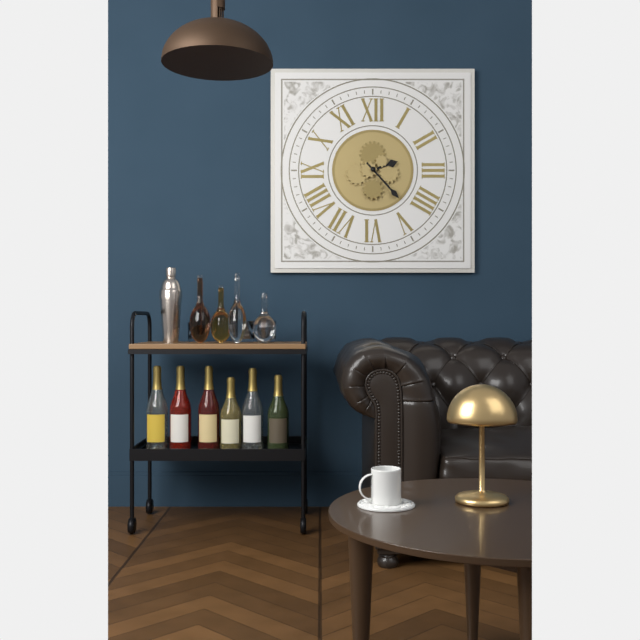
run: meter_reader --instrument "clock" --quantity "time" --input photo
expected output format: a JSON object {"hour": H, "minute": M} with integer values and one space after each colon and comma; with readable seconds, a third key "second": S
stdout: {"hour": 2, "minute": 23}
